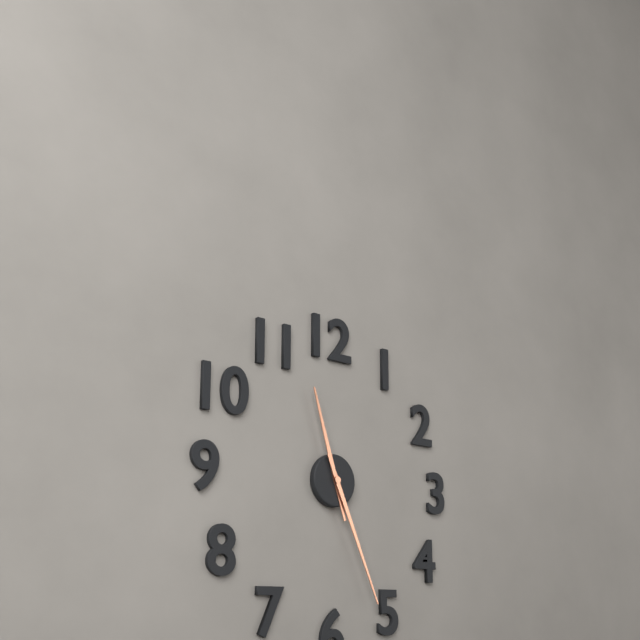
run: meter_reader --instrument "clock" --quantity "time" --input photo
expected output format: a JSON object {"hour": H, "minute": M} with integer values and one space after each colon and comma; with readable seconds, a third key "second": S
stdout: {"hour": 11, "minute": 26}
